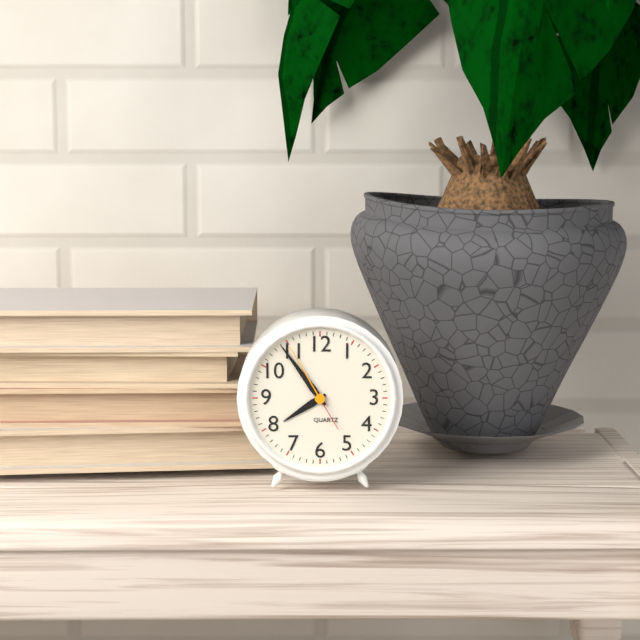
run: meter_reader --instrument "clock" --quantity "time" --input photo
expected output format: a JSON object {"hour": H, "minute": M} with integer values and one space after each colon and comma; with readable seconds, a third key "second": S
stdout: {"hour": 7, "minute": 54, "second": 55}
